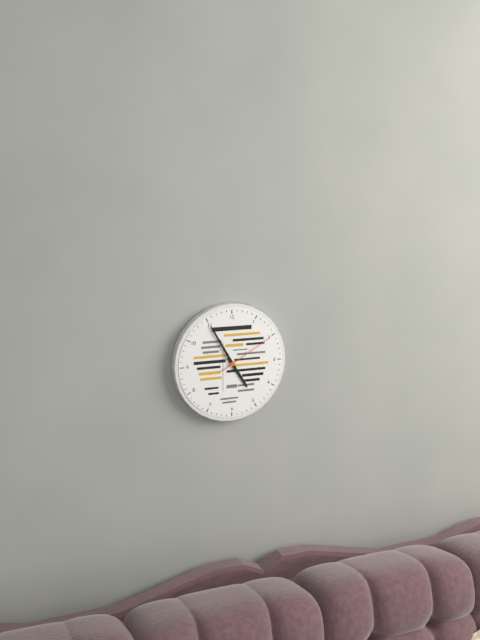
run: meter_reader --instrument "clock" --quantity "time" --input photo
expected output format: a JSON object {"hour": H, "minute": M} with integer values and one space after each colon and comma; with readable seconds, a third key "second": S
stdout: {"hour": 4, "minute": 55, "second": 10}
